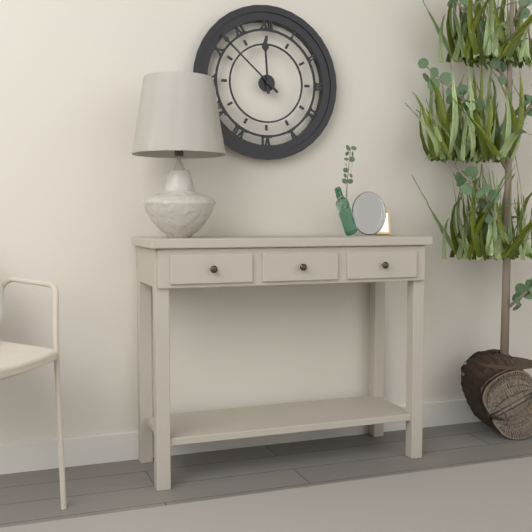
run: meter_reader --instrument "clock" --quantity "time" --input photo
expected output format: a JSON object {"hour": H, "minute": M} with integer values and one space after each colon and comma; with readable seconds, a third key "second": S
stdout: {"hour": 11, "minute": 52}
